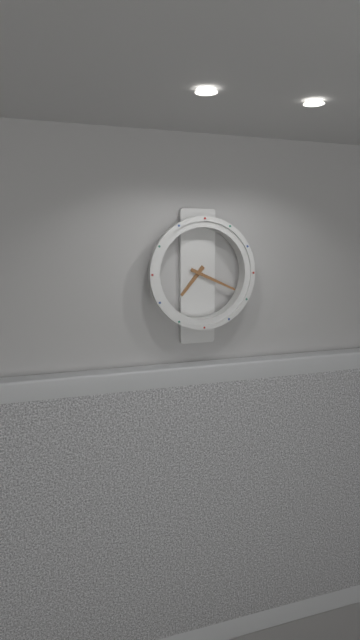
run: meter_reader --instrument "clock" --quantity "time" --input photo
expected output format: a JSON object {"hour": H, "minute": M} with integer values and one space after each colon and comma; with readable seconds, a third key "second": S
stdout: {"hour": 7, "minute": 19}
